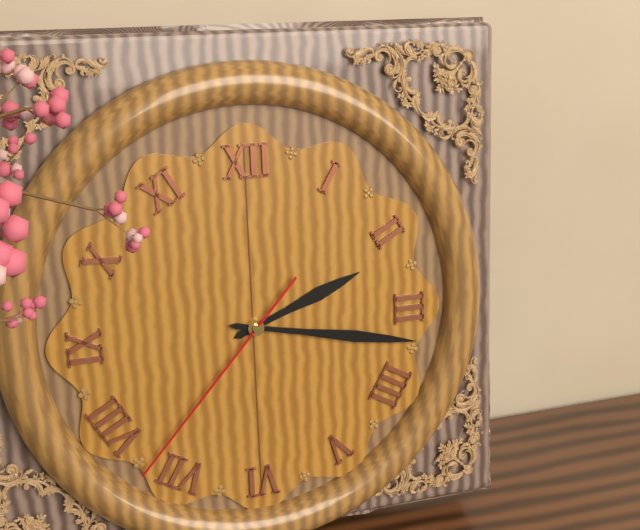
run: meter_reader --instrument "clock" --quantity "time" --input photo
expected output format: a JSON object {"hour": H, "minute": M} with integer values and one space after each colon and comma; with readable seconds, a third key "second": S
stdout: {"hour": 2, "minute": 17, "second": 37}
